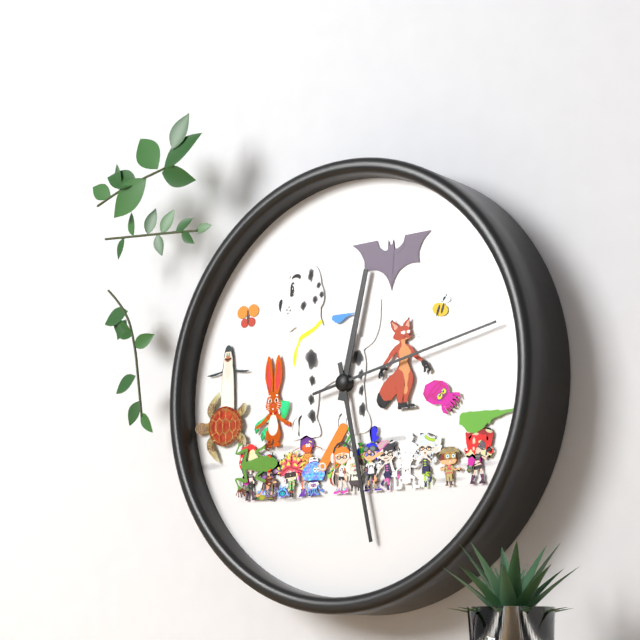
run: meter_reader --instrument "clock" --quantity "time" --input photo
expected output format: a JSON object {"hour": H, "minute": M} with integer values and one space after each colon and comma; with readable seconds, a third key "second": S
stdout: {"hour": 12, "minute": 28, "second": 13}
